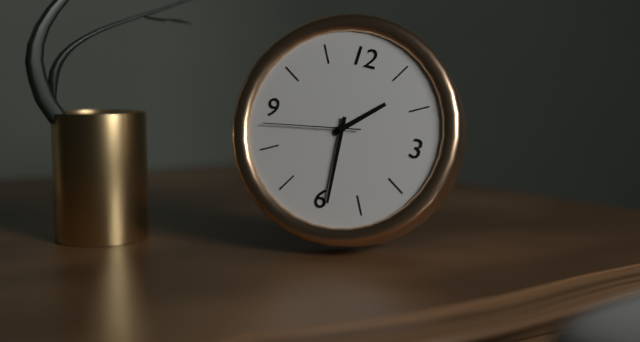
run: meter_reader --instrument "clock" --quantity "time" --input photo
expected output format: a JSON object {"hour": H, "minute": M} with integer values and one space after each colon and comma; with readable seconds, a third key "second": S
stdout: {"hour": 1, "minute": 29, "second": 43}
